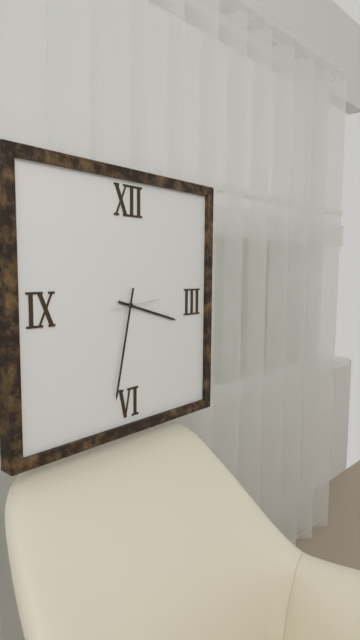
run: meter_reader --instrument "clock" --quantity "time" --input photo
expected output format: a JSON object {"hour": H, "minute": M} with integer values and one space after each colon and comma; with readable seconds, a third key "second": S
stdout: {"hour": 3, "minute": 32}
